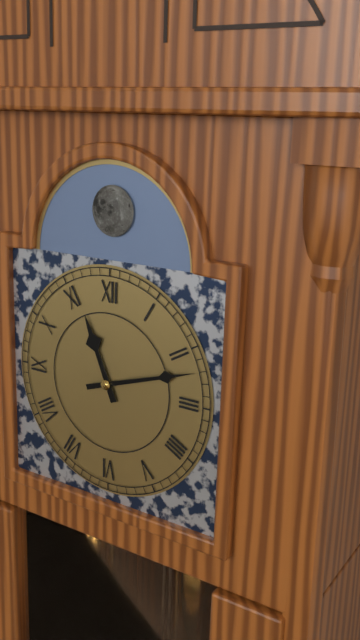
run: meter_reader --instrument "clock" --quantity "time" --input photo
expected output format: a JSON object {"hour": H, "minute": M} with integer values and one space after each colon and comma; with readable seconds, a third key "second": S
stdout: {"hour": 11, "minute": 12}
